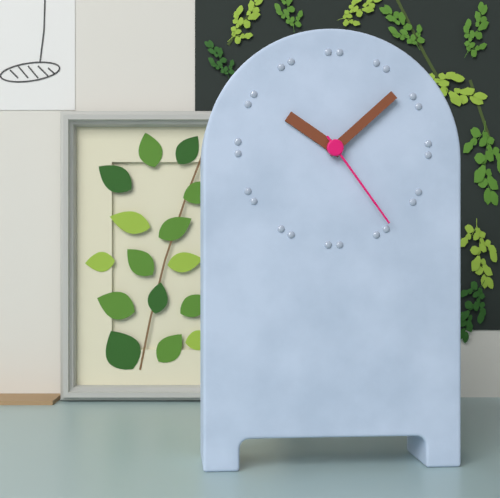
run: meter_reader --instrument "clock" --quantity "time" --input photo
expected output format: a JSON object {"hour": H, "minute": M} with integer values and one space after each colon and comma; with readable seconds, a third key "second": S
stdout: {"hour": 10, "minute": 8, "second": 24}
